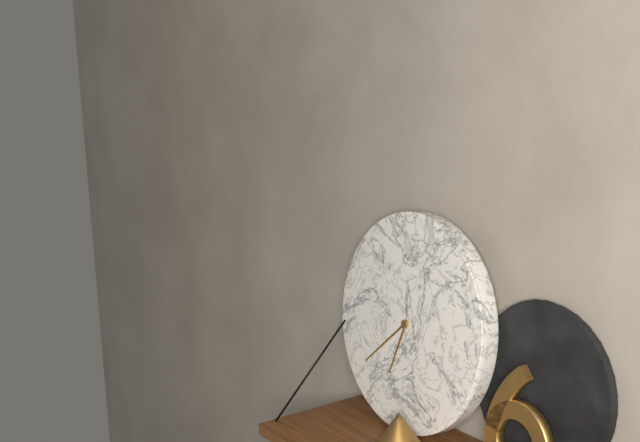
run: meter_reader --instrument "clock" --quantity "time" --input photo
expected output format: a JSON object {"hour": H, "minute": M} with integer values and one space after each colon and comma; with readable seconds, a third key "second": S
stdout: {"hour": 6, "minute": 38}
